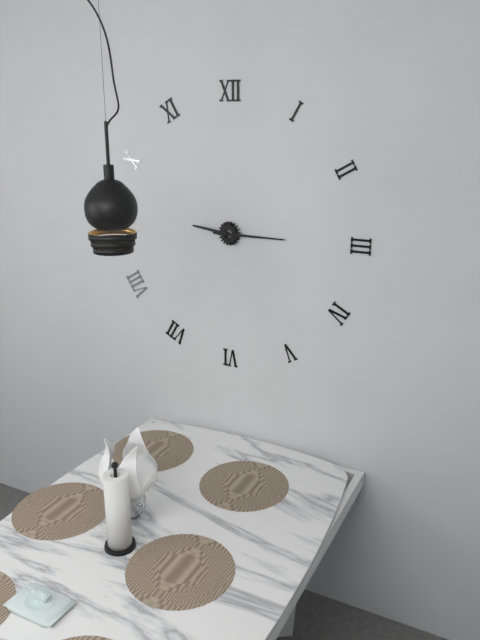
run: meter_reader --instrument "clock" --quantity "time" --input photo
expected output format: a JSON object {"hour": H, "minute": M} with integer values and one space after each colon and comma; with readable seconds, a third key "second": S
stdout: {"hour": 9, "minute": 15}
